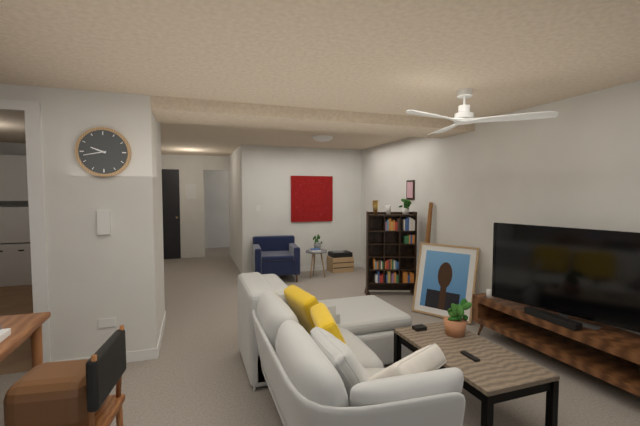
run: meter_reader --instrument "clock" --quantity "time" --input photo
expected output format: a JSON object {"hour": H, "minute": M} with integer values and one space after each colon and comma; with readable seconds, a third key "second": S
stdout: {"hour": 9, "minute": 43}
